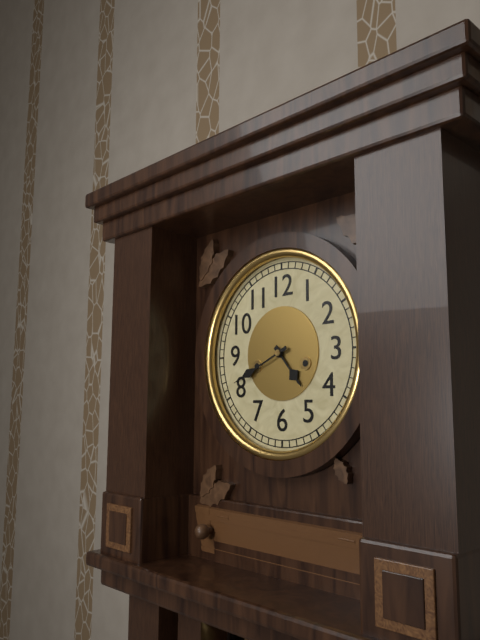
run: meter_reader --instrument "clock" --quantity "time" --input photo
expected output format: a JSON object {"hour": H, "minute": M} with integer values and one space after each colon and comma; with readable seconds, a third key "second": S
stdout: {"hour": 4, "minute": 41}
